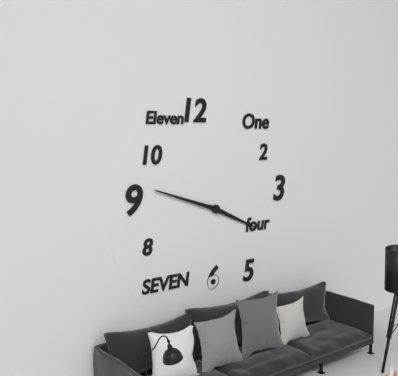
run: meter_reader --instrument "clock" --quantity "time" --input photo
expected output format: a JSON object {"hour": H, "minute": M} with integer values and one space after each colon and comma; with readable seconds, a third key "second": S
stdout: {"hour": 3, "minute": 48}
